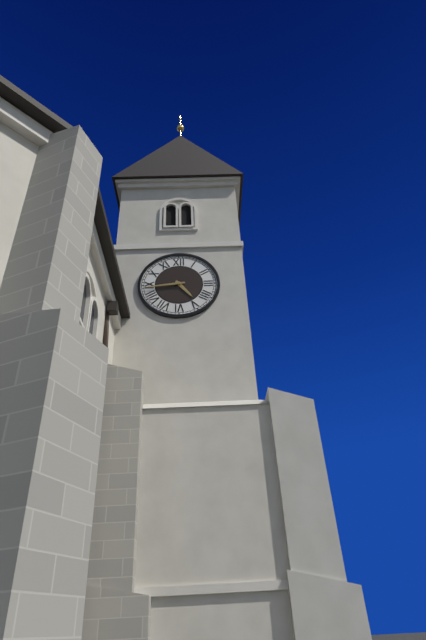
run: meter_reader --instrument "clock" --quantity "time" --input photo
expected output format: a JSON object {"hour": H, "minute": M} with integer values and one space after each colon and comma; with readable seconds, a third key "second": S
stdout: {"hour": 4, "minute": 44}
